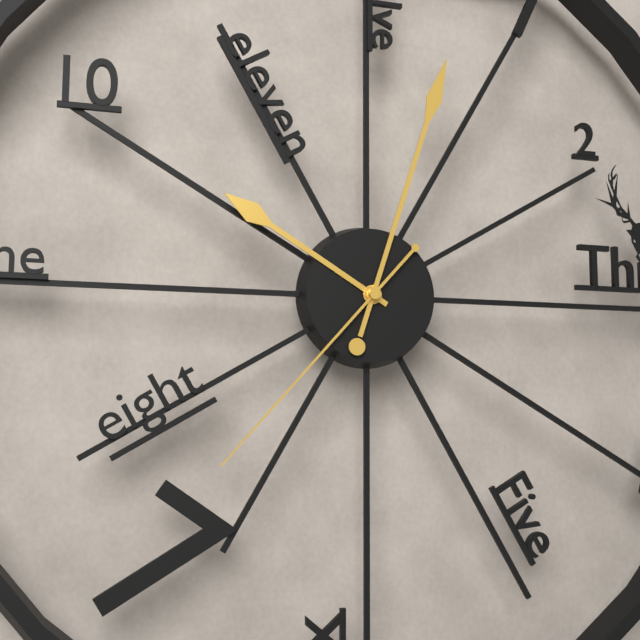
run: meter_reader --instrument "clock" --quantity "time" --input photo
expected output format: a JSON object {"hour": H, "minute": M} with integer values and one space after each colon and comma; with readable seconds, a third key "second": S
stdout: {"hour": 10, "minute": 3, "second": 37}
